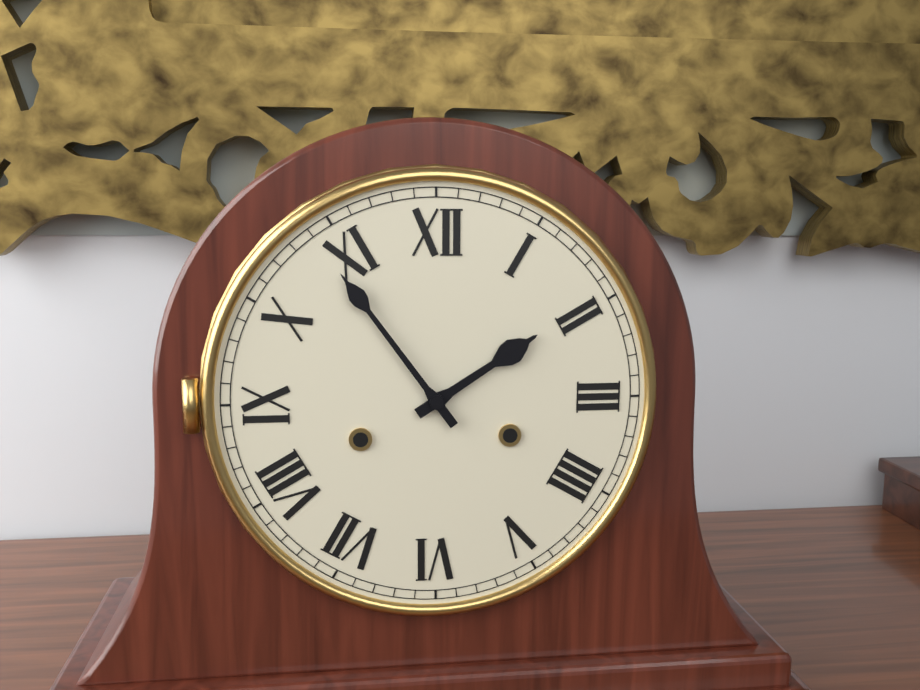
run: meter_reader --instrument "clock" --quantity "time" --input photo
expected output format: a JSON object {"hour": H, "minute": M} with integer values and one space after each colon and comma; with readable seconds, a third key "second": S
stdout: {"hour": 1, "minute": 54}
